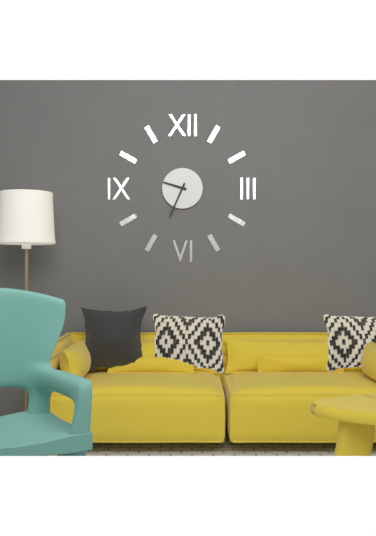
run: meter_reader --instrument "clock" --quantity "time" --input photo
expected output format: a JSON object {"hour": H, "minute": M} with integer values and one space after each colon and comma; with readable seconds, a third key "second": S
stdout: {"hour": 9, "minute": 34}
